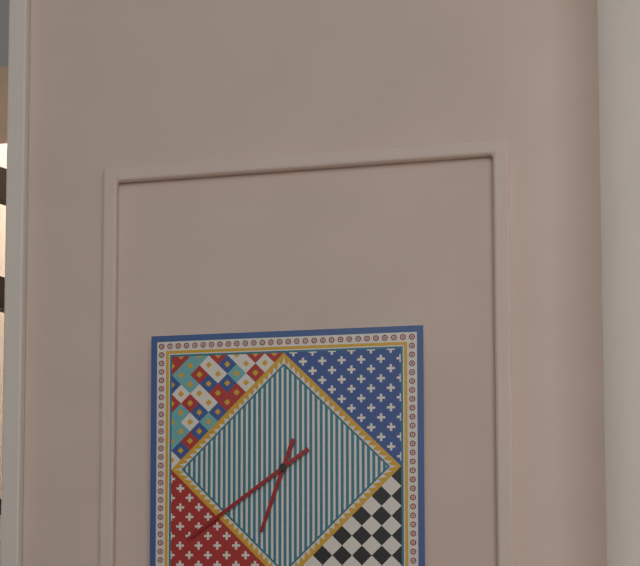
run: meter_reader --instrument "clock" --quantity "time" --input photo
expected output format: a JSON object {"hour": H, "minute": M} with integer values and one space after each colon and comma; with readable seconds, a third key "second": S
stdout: {"hour": 6, "minute": 39}
